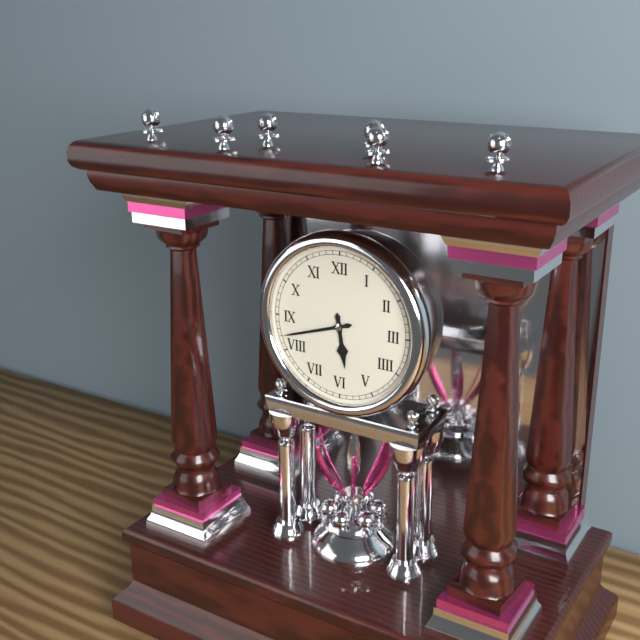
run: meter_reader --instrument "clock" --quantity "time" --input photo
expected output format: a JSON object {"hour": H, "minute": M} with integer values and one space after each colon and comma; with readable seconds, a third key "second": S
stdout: {"hour": 5, "minute": 42}
